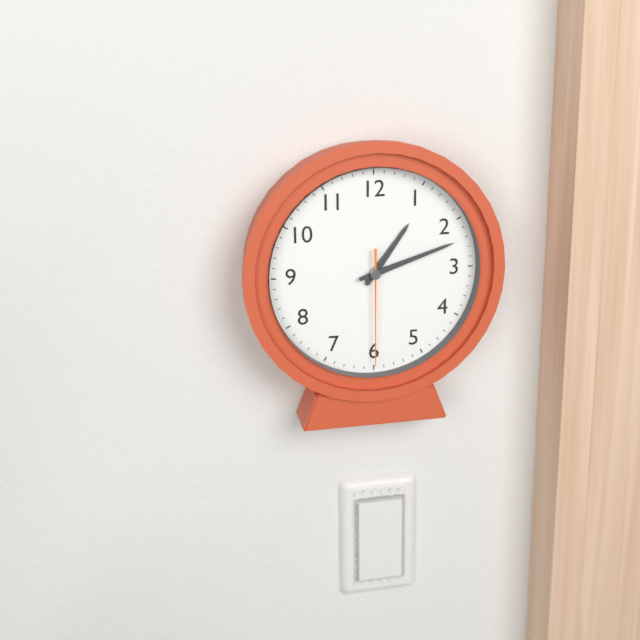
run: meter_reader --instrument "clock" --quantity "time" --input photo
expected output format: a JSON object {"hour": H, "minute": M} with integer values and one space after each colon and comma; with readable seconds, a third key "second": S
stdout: {"hour": 1, "minute": 12, "second": 30}
